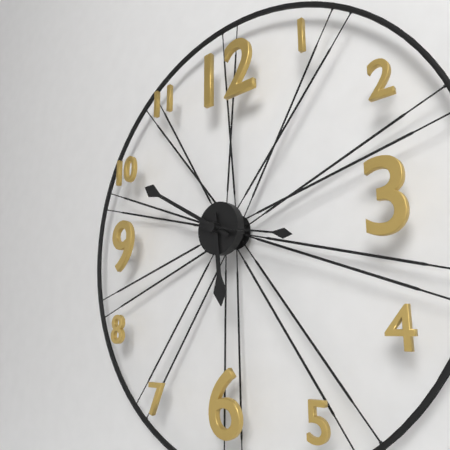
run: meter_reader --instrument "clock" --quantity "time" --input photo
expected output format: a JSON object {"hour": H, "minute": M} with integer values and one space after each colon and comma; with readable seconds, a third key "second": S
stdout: {"hour": 5, "minute": 50, "second": 17}
